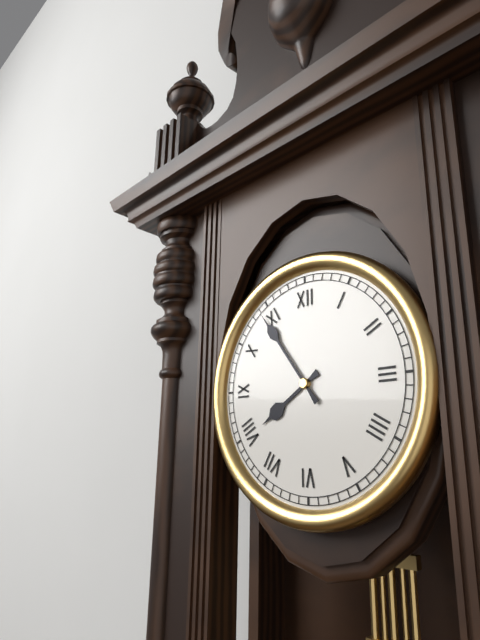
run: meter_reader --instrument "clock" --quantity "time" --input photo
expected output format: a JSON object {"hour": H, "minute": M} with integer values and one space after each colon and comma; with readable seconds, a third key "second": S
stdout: {"hour": 7, "minute": 54}
